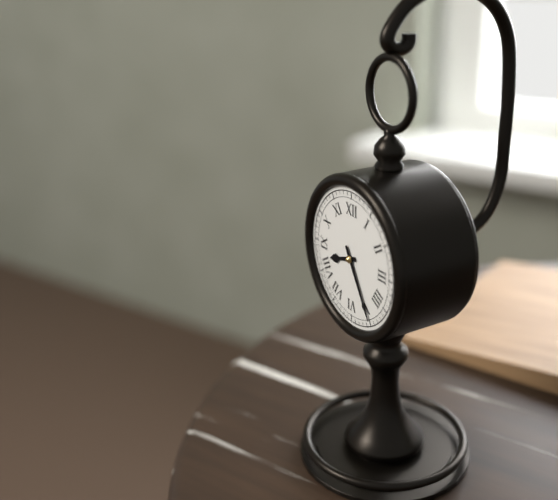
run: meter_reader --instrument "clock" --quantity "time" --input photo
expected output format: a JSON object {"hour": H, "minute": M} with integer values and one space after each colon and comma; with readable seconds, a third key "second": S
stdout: {"hour": 8, "minute": 25}
